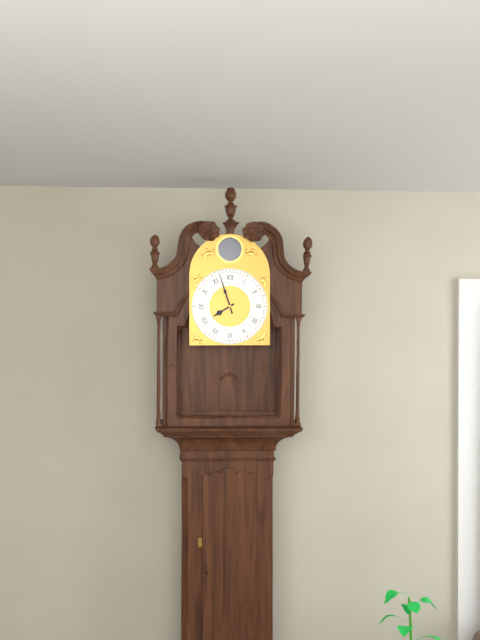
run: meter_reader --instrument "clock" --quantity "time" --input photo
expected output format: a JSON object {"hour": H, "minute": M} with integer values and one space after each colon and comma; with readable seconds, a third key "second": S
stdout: {"hour": 7, "minute": 57}
